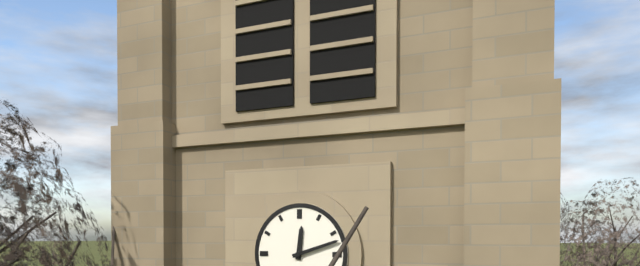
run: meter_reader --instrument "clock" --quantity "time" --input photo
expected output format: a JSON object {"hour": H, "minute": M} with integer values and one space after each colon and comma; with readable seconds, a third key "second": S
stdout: {"hour": 12, "minute": 12}
